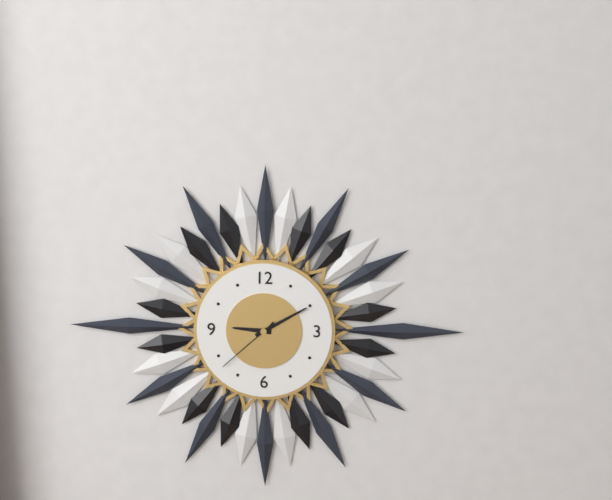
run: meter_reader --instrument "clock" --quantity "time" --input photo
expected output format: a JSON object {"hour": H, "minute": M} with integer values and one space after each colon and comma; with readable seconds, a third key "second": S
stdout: {"hour": 9, "minute": 10, "second": 38}
